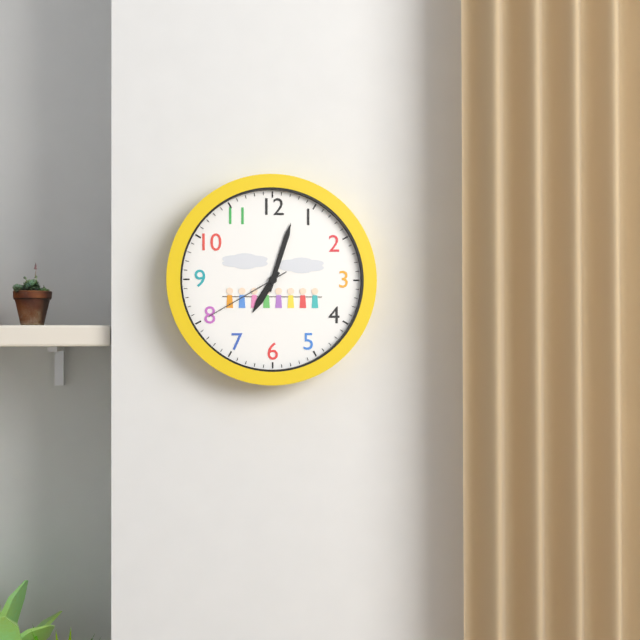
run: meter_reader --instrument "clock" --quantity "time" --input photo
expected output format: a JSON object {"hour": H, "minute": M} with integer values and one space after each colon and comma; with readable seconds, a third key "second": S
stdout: {"hour": 7, "minute": 3, "second": 40}
